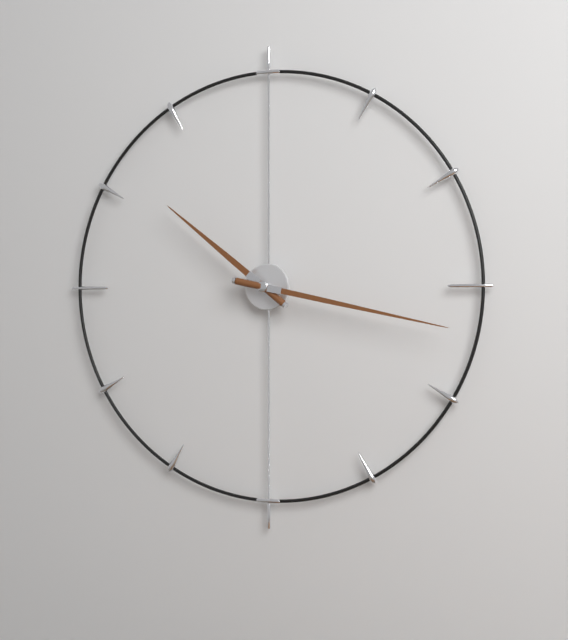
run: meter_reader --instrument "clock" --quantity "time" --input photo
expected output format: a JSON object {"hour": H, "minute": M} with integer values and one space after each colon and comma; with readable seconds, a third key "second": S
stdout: {"hour": 10, "minute": 17}
